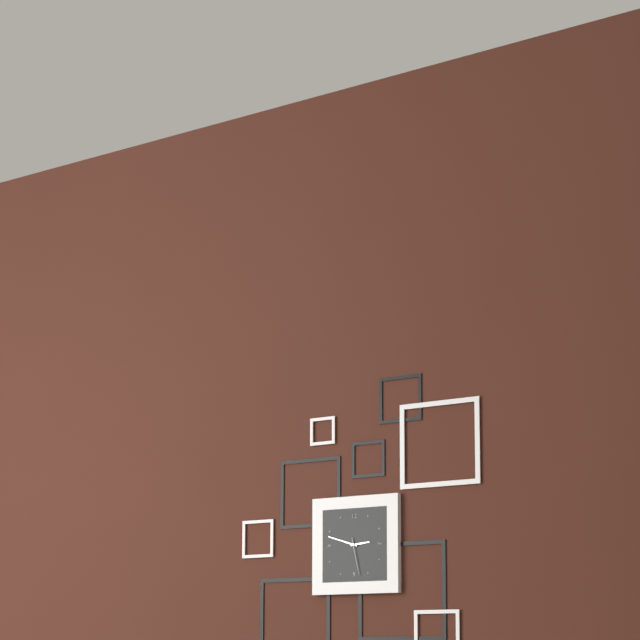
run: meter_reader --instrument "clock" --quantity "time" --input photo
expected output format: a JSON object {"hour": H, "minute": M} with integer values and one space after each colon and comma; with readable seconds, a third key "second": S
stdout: {"hour": 2, "minute": 48}
